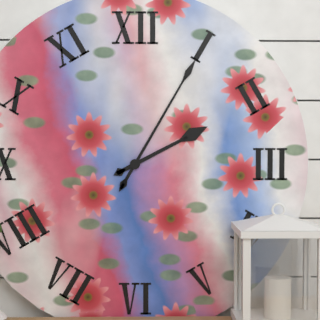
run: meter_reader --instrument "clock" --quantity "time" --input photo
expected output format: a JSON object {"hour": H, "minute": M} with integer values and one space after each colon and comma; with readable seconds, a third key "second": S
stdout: {"hour": 2, "minute": 5}
